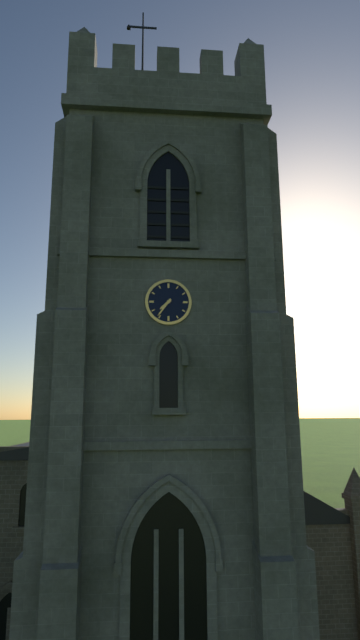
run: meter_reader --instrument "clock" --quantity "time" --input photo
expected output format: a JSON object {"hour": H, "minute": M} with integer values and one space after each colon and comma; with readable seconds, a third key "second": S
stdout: {"hour": 7, "minute": 36}
